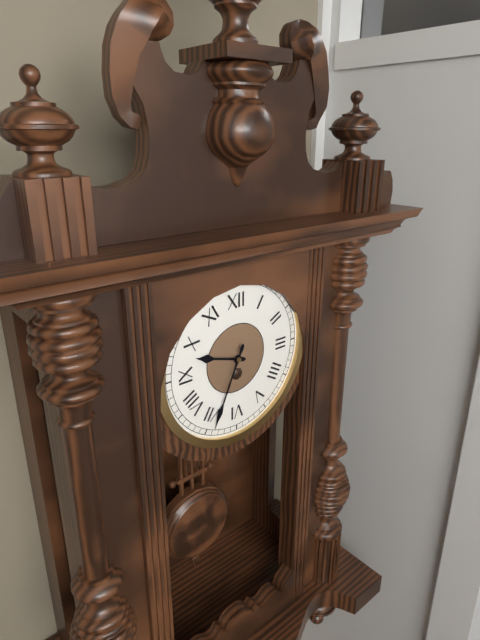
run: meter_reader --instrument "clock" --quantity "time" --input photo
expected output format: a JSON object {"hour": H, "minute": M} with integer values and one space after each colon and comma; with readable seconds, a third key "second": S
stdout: {"hour": 9, "minute": 34}
